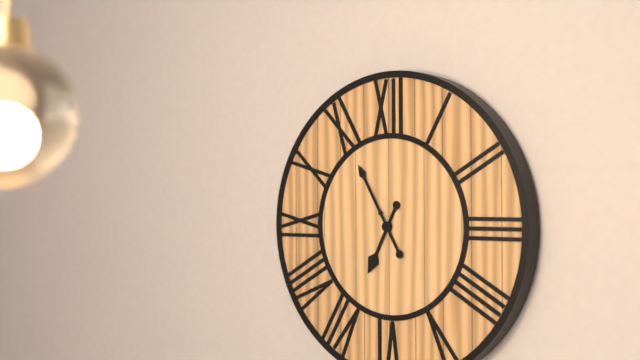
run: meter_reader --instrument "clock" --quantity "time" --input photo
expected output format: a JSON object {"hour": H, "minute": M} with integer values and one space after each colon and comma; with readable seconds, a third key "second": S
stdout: {"hour": 6, "minute": 55}
